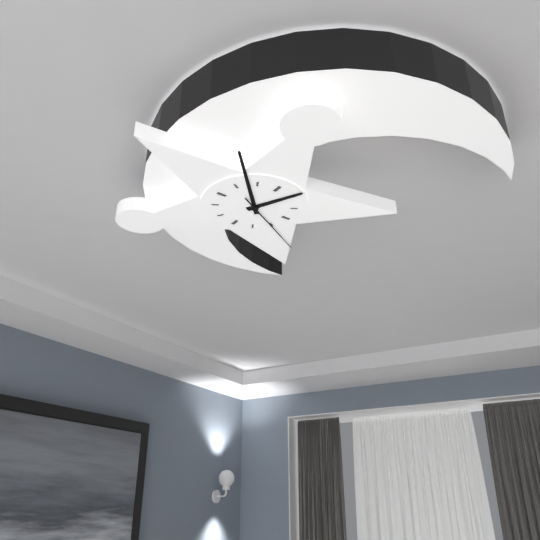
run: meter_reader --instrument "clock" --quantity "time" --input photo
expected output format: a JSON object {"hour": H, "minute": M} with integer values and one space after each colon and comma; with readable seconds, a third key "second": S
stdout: {"hour": 12, "minute": 53, "second": 20}
